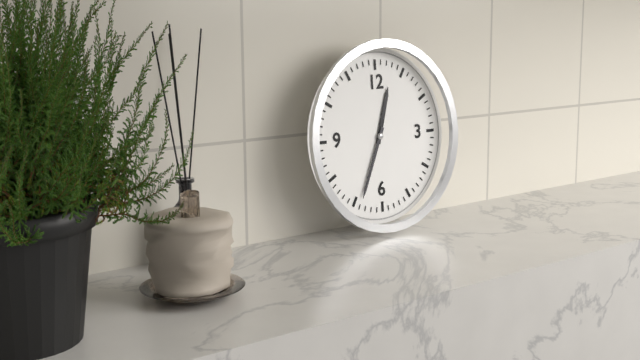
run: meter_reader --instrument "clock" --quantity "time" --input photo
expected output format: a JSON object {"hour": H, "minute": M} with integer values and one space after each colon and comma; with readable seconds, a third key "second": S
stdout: {"hour": 12, "minute": 34}
